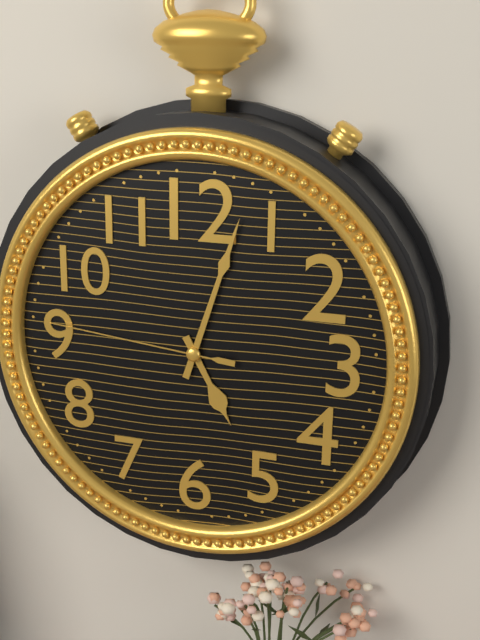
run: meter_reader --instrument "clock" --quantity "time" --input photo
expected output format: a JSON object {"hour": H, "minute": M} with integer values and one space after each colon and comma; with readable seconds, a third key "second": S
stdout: {"hour": 5, "minute": 3, "second": 46}
